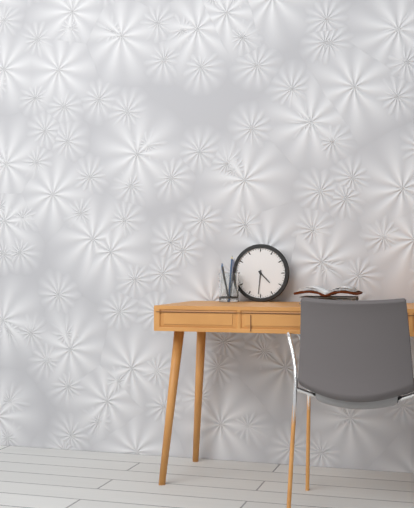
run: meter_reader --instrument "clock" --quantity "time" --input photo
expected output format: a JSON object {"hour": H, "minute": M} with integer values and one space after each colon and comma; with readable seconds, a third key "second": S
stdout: {"hour": 4, "minute": 31}
